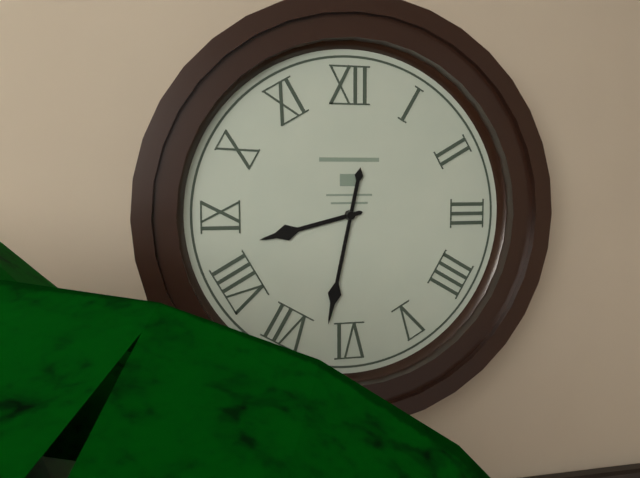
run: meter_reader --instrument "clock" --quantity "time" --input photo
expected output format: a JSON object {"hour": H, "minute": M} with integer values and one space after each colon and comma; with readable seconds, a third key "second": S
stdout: {"hour": 8, "minute": 32}
